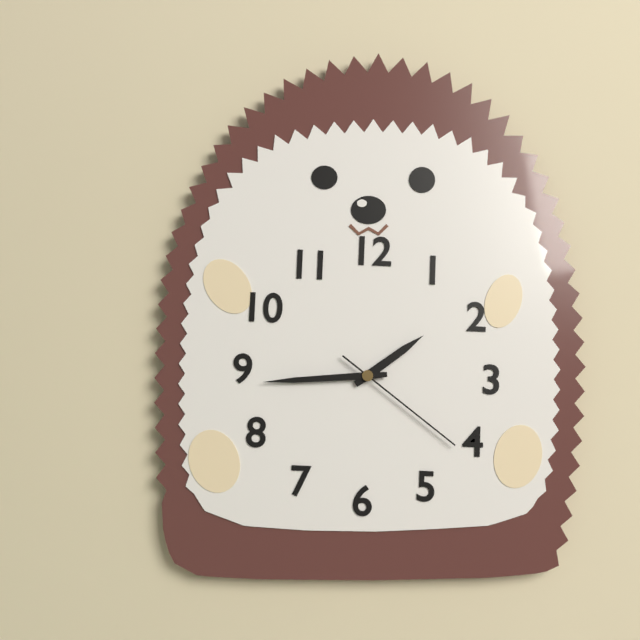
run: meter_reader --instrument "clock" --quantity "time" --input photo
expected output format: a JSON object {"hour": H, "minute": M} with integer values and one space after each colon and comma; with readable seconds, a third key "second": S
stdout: {"hour": 1, "minute": 44, "second": 21}
